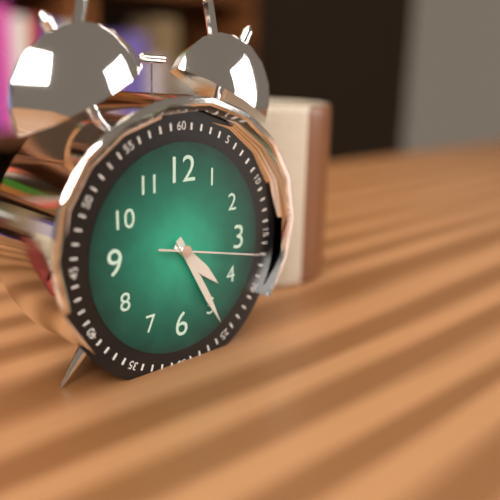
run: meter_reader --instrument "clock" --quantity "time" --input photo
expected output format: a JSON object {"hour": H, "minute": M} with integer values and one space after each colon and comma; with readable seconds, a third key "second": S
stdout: {"hour": 4, "minute": 25, "second": 17}
